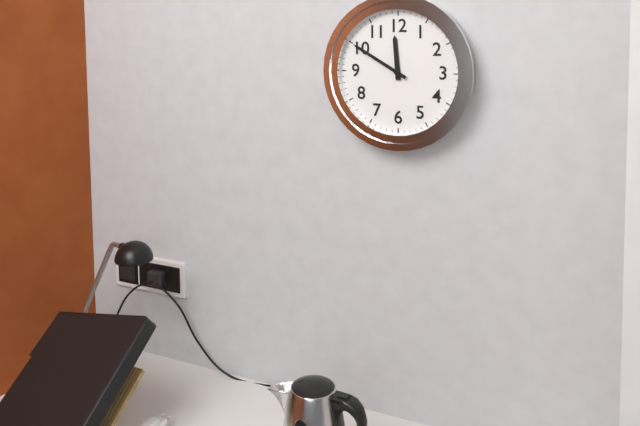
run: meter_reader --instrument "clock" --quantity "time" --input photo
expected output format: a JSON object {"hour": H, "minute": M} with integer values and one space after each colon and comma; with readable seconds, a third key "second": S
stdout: {"hour": 11, "minute": 50}
